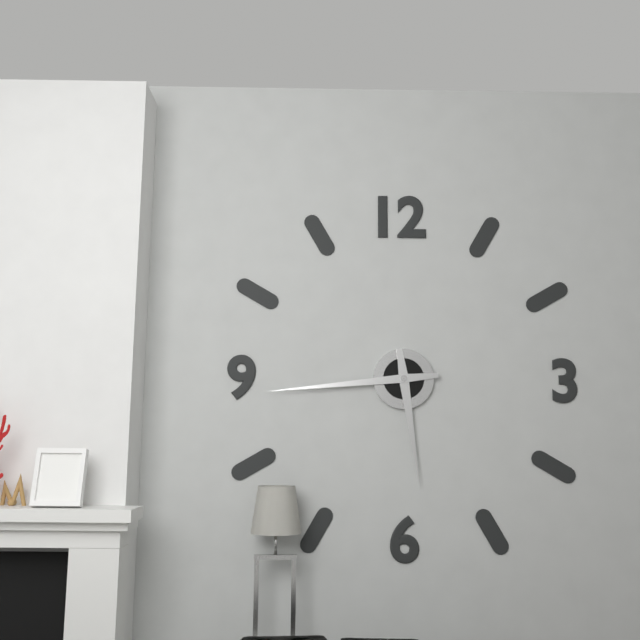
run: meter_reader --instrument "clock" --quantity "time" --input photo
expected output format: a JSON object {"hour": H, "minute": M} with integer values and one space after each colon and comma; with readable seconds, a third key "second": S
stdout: {"hour": 5, "minute": 44}
